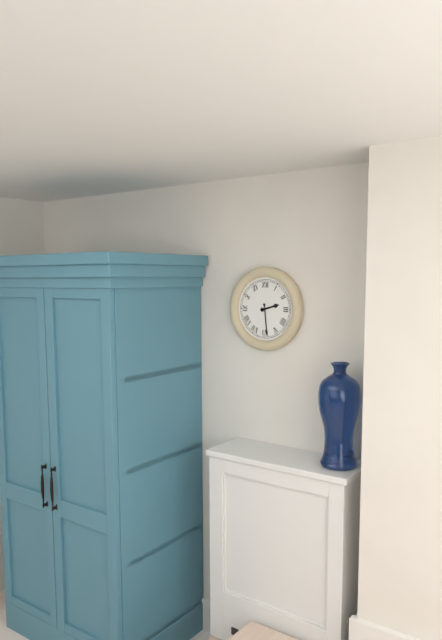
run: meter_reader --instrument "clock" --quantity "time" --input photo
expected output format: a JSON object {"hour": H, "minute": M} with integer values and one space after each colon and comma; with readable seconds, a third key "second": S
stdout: {"hour": 2, "minute": 29}
